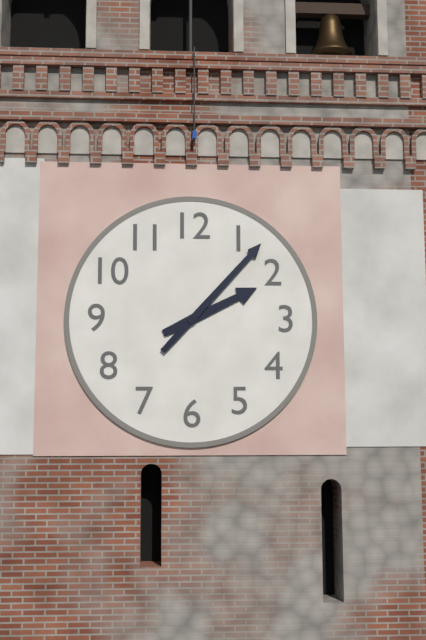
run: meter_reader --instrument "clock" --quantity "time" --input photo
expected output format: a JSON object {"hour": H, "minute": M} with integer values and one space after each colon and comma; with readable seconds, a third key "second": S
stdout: {"hour": 2, "minute": 7}
